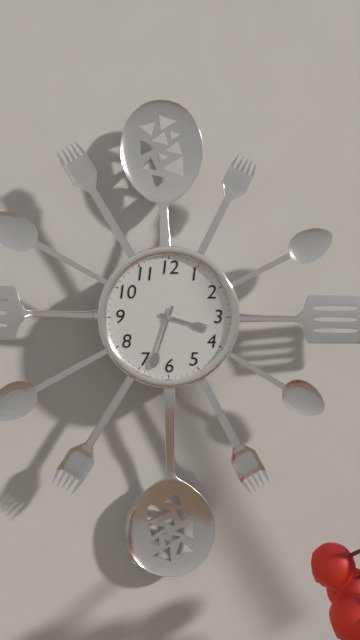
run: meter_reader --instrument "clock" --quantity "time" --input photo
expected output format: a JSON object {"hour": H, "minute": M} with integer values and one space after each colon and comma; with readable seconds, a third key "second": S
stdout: {"hour": 3, "minute": 33}
